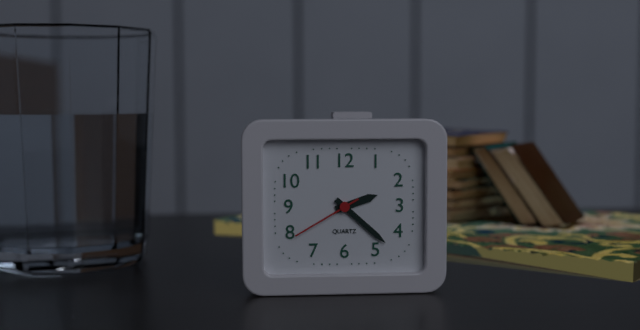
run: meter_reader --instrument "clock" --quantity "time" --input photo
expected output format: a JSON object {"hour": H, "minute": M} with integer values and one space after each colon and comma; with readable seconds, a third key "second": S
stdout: {"hour": 2, "minute": 22, "second": 40}
